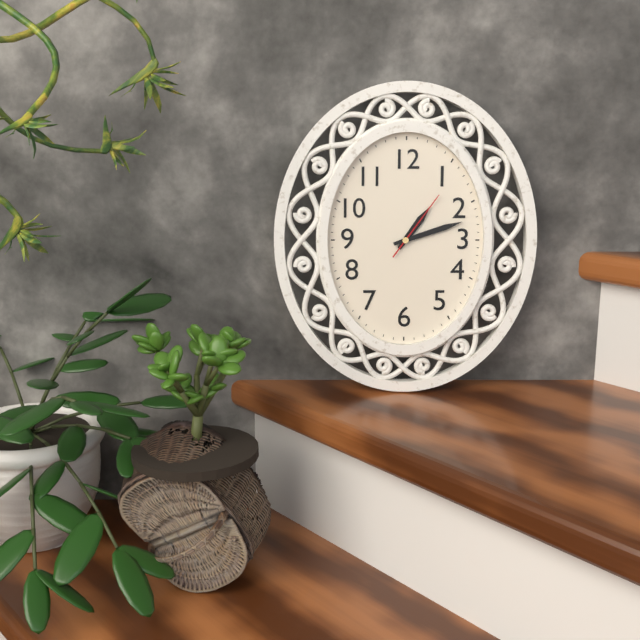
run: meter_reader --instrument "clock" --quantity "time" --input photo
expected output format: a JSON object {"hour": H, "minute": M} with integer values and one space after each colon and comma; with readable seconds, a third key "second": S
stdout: {"hour": 1, "minute": 12, "second": 6}
